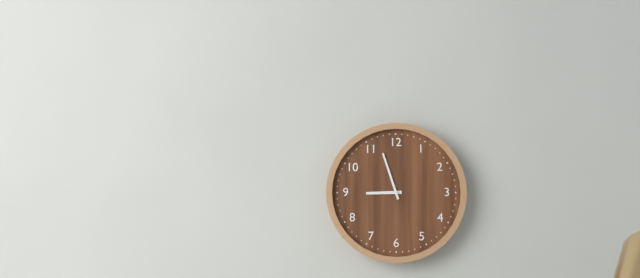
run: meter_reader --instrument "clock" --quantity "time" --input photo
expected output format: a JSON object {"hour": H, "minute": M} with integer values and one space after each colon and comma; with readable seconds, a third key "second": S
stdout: {"hour": 8, "minute": 57}
